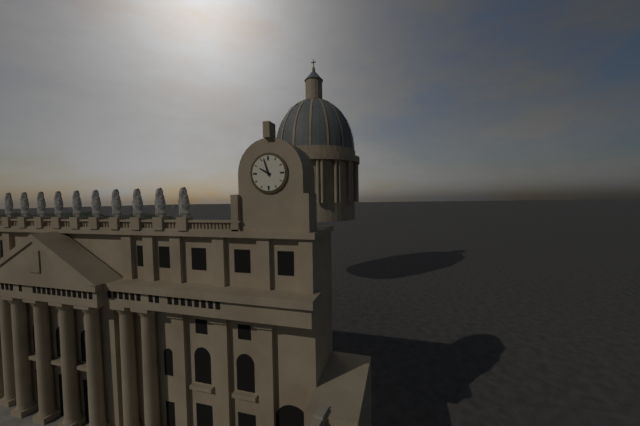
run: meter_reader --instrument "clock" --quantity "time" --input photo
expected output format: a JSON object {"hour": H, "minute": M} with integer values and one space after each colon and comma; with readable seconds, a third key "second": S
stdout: {"hour": 9, "minute": 57}
